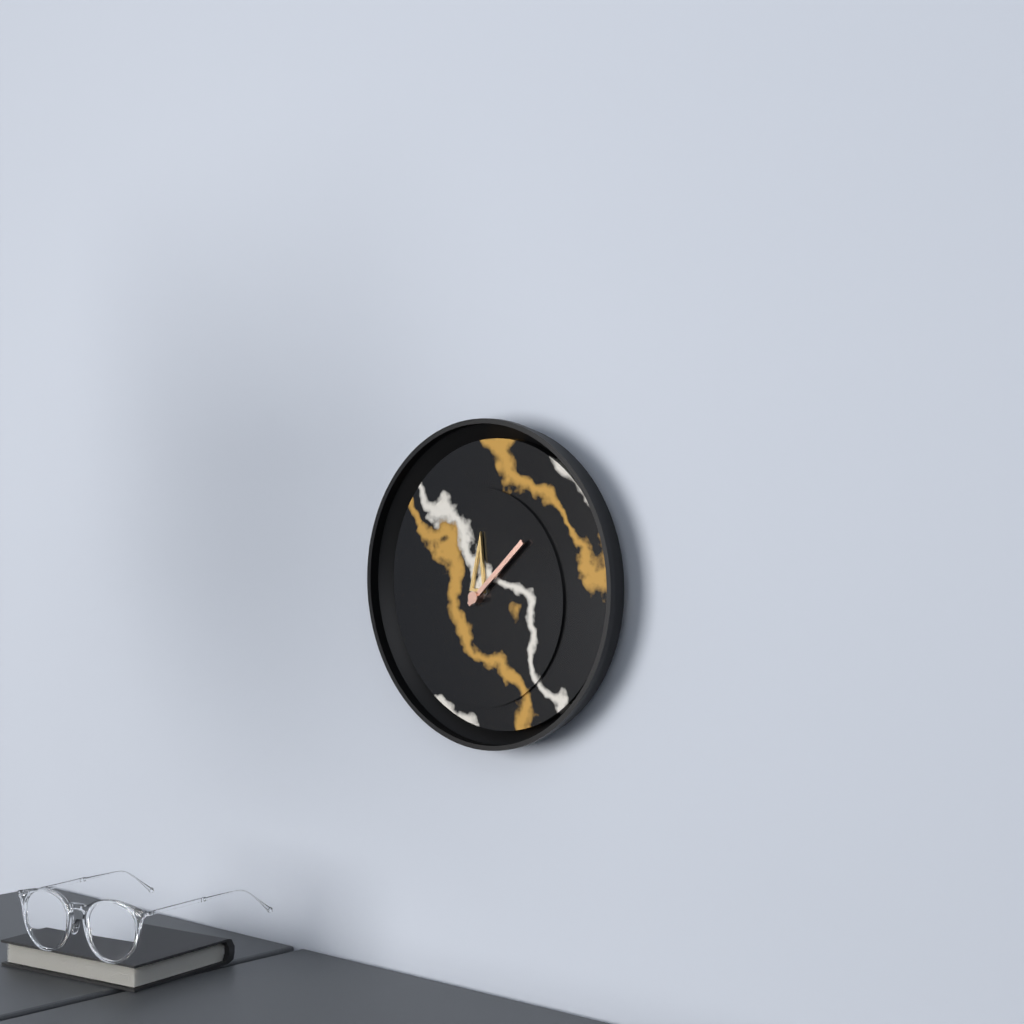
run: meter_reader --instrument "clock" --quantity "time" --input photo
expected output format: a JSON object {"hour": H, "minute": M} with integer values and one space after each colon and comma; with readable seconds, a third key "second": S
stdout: {"hour": 12, "minute": 8}
